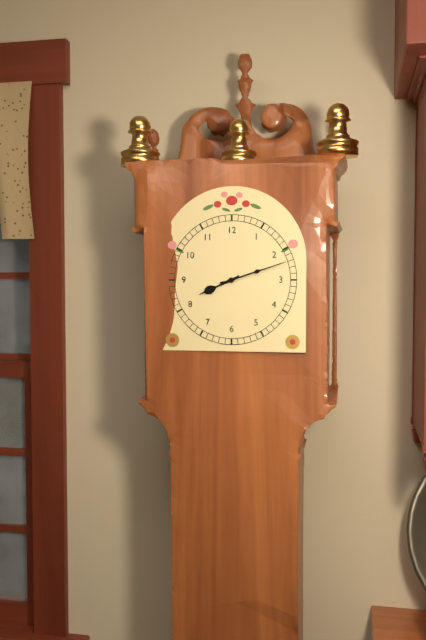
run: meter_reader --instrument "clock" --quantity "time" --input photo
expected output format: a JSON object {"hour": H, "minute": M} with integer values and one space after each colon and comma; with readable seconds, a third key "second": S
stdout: {"hour": 8, "minute": 12}
